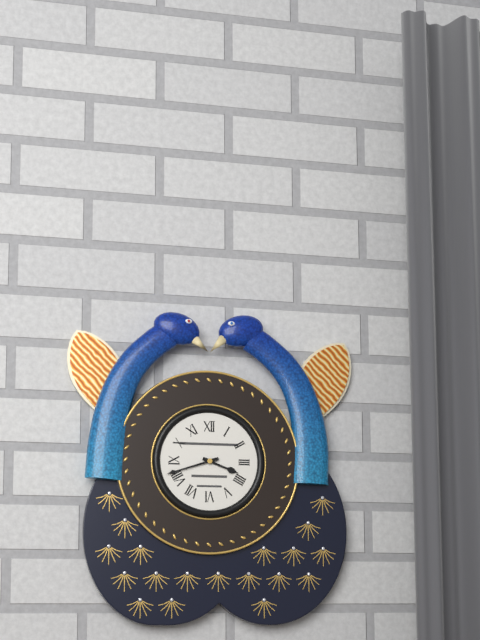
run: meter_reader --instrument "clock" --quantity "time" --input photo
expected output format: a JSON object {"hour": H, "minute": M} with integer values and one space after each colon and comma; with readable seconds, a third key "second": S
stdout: {"hour": 3, "minute": 42}
